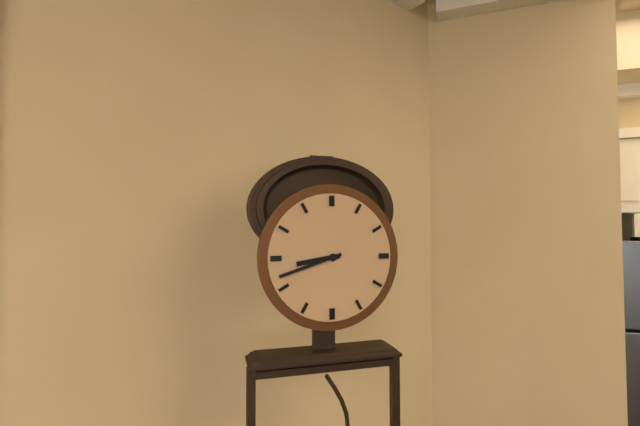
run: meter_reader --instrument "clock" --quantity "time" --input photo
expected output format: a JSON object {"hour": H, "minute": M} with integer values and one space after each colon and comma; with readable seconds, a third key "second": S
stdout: {"hour": 8, "minute": 42}
